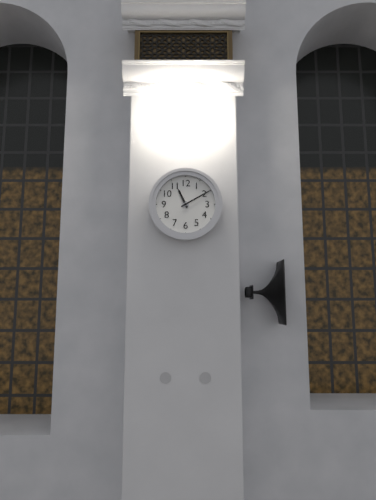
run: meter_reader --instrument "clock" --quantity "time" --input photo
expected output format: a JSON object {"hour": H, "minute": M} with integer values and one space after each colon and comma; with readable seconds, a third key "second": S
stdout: {"hour": 11, "minute": 10}
